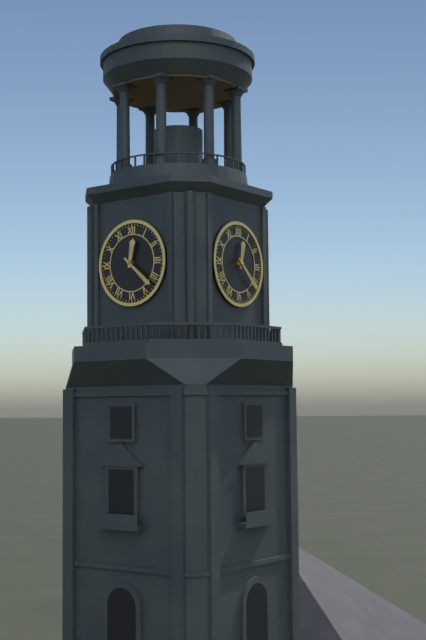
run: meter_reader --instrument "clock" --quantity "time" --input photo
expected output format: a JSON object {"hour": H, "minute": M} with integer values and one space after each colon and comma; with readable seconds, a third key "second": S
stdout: {"hour": 12, "minute": 22}
